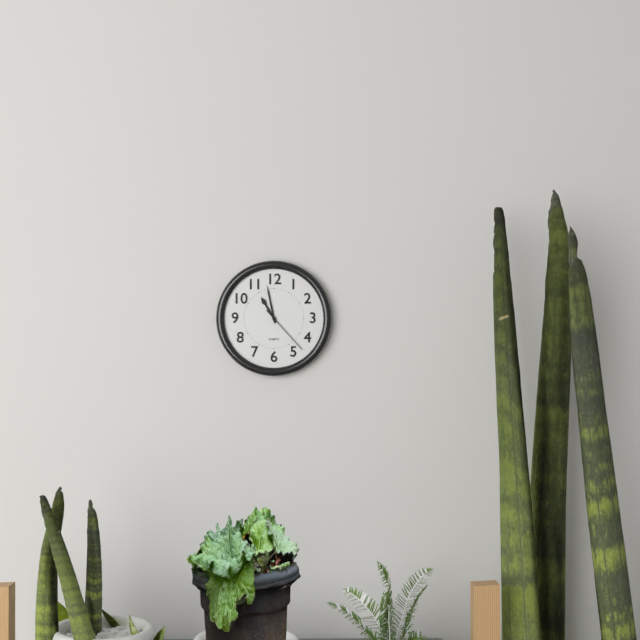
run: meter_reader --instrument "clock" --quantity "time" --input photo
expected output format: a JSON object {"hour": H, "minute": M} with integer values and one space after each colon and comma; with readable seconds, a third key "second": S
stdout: {"hour": 10, "minute": 58, "second": 23}
